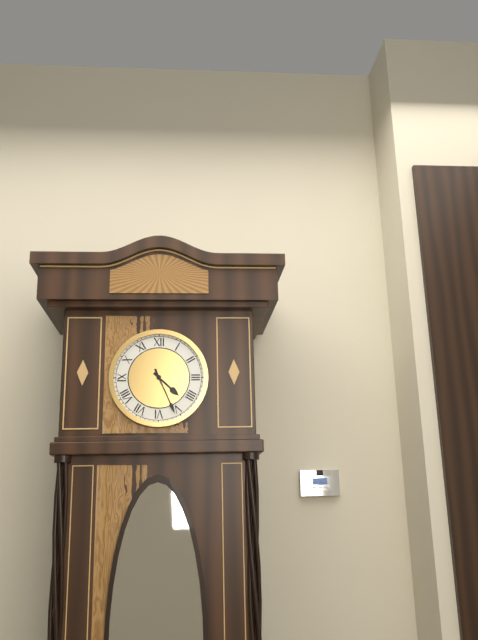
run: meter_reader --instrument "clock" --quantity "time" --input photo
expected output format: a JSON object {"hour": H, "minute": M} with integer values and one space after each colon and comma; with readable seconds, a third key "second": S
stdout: {"hour": 4, "minute": 26}
